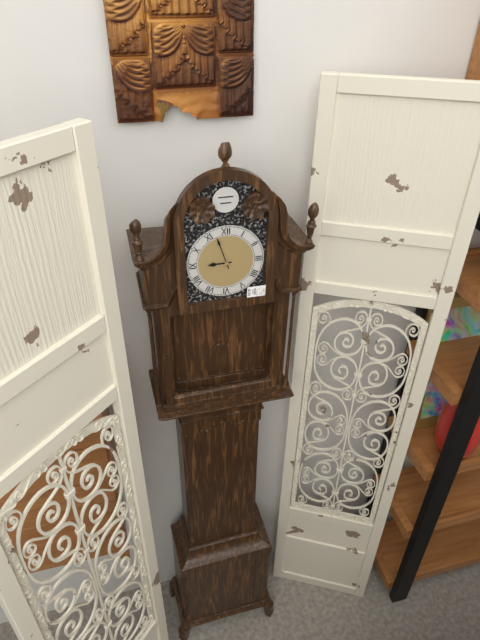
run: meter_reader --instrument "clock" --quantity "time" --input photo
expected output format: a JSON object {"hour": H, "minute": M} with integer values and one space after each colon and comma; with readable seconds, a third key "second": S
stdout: {"hour": 8, "minute": 57}
